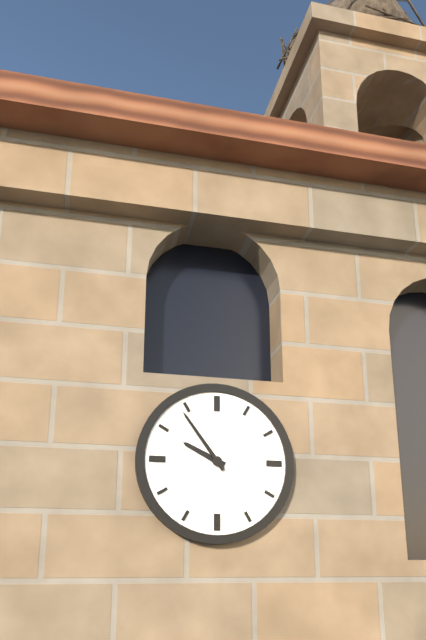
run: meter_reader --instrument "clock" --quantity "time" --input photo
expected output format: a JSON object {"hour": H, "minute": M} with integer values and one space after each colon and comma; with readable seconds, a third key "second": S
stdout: {"hour": 9, "minute": 54}
